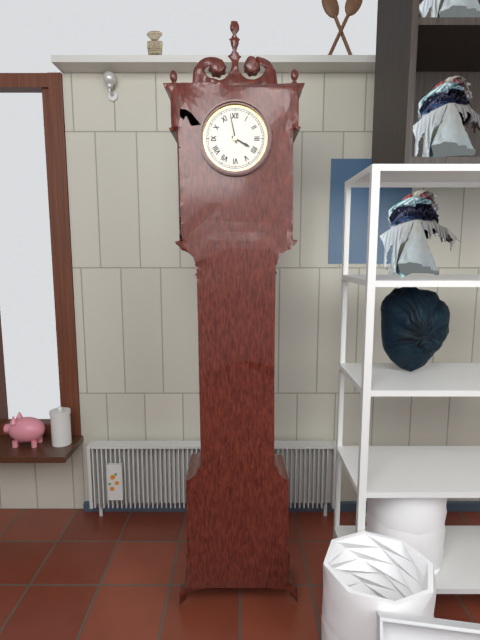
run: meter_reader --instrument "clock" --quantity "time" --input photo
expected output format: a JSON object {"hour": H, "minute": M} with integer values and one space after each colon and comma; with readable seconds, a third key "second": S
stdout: {"hour": 3, "minute": 58}
